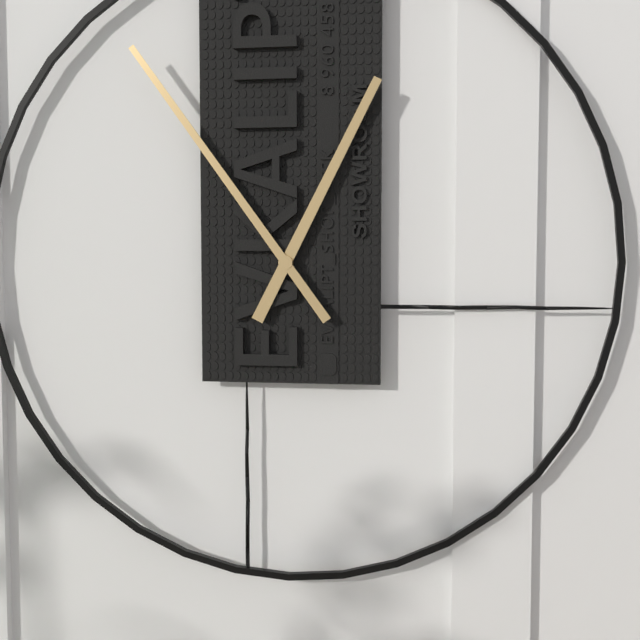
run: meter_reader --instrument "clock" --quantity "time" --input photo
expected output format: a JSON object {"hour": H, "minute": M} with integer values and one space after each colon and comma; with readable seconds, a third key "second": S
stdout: {"hour": 12, "minute": 54}
